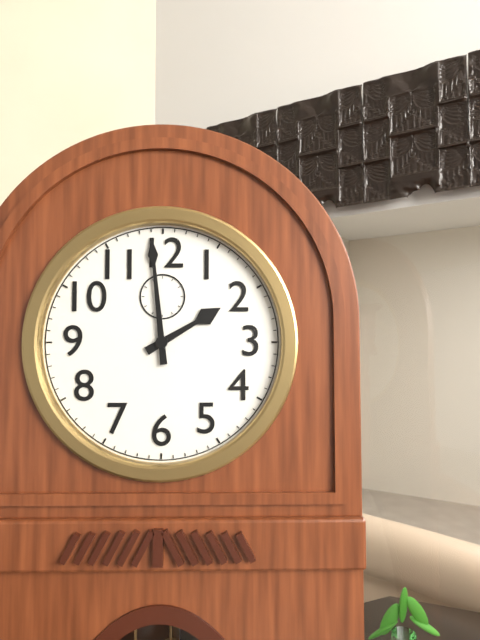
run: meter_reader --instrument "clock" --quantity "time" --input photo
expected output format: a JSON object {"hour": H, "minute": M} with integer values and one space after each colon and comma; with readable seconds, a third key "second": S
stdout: {"hour": 1, "minute": 59}
